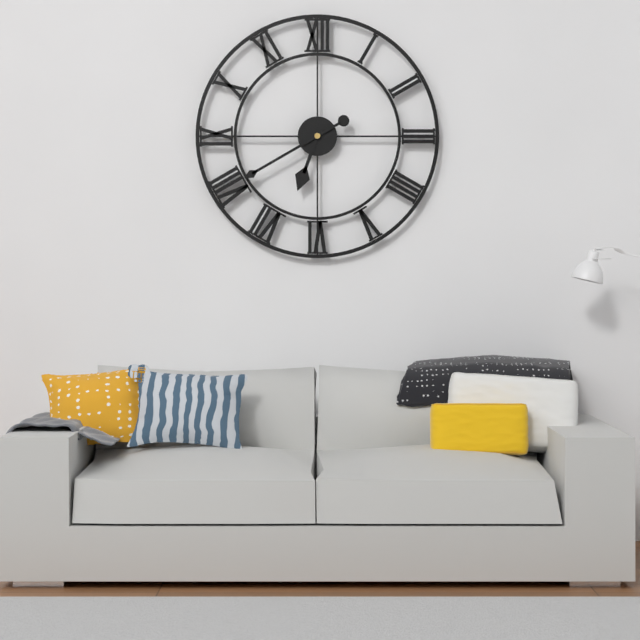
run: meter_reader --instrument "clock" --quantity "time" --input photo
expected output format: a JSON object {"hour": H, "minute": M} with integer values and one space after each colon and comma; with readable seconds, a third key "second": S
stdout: {"hour": 6, "minute": 40}
